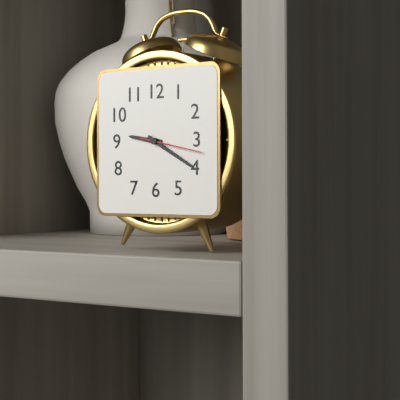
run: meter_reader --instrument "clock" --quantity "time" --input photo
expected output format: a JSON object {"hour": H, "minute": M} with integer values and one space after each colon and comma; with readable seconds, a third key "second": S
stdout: {"hour": 9, "minute": 20, "second": 17}
